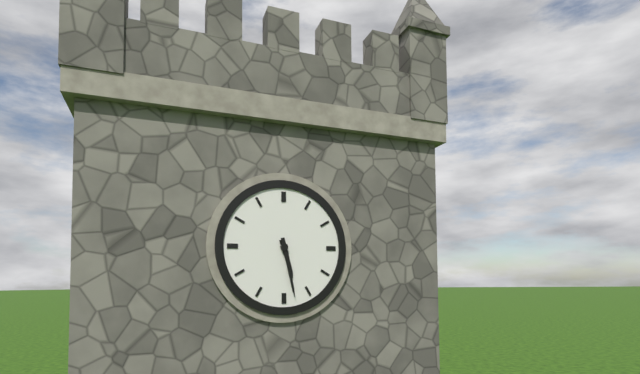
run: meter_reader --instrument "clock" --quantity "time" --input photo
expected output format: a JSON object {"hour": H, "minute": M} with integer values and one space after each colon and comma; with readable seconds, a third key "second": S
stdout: {"hour": 5, "minute": 28}
